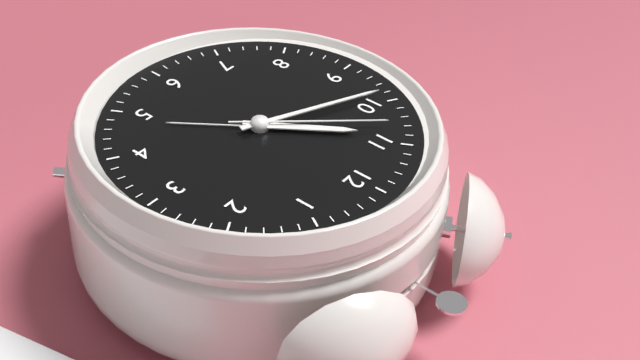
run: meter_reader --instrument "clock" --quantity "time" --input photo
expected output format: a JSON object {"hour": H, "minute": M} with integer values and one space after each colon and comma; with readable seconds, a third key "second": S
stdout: {"hour": 10, "minute": 49, "second": 53}
